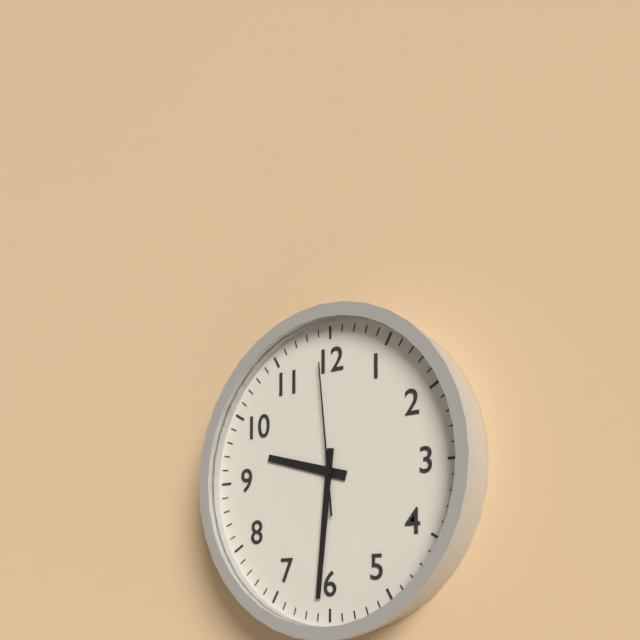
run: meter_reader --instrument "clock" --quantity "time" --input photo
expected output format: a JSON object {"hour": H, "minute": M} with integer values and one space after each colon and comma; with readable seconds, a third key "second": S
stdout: {"hour": 9, "minute": 31, "second": 59}
